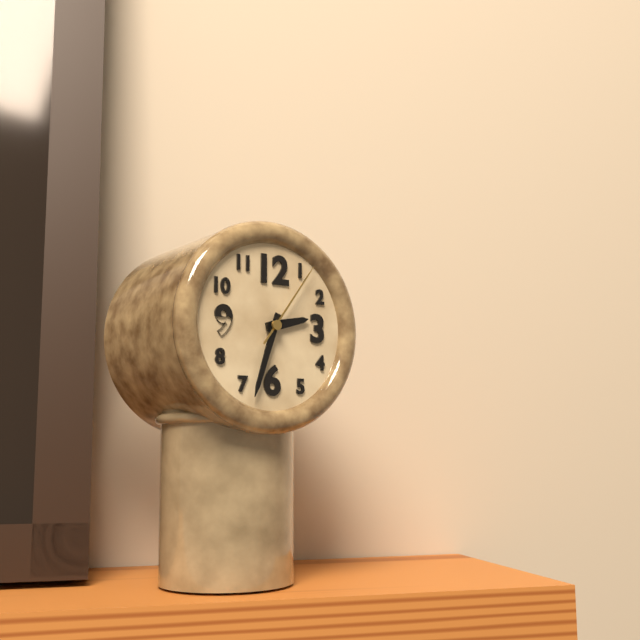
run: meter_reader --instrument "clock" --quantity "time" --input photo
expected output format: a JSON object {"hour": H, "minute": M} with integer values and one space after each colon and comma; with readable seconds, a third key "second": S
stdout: {"hour": 2, "minute": 33, "second": 6}
